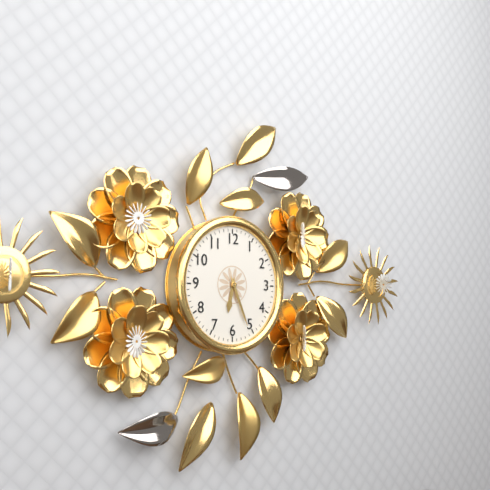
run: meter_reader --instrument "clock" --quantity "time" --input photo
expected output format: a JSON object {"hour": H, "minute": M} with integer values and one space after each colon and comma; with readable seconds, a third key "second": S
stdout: {"hour": 6, "minute": 26}
